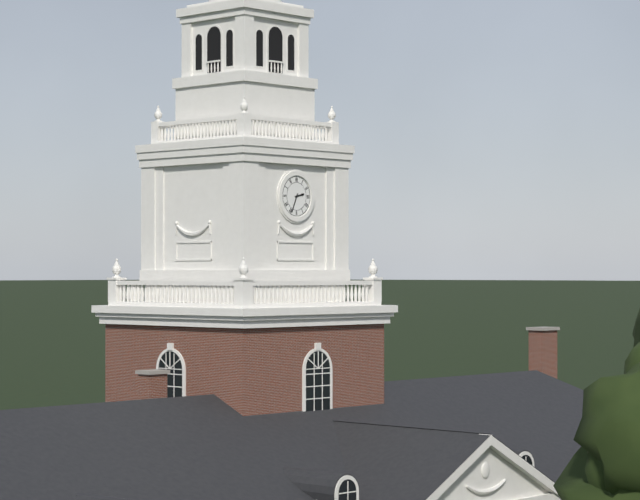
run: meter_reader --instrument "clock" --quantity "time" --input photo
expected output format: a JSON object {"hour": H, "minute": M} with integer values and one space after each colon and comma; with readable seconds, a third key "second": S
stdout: {"hour": 2, "minute": 34}
